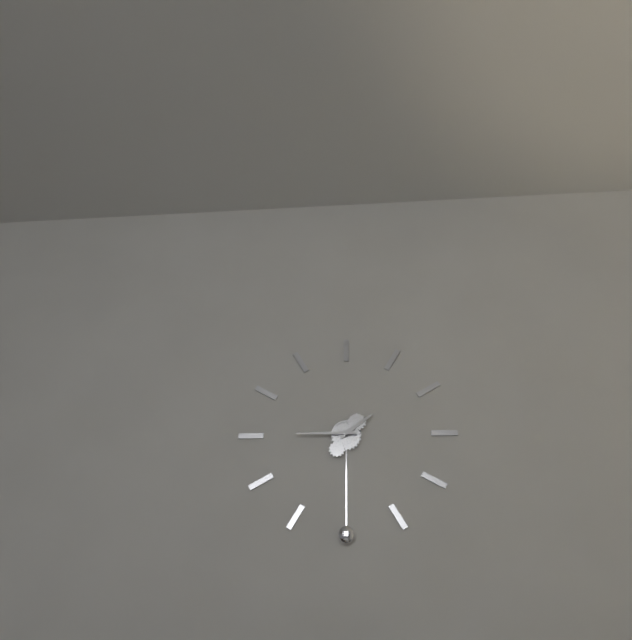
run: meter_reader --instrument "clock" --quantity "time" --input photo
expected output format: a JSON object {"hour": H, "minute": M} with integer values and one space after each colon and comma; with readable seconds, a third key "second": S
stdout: {"hour": 1, "minute": 45}
